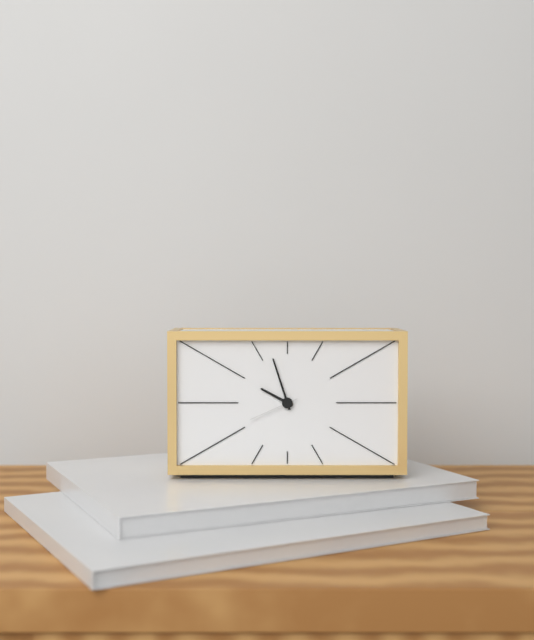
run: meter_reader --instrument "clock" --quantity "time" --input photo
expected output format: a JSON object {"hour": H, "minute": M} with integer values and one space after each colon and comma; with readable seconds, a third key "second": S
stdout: {"hour": 9, "minute": 57, "second": 41}
